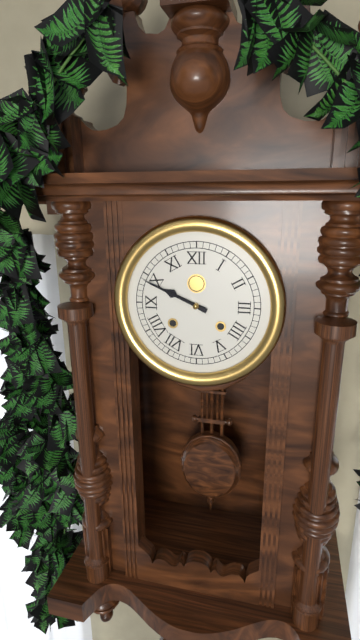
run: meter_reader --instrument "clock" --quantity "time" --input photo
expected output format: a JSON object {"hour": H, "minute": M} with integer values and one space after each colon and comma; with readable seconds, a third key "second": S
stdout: {"hour": 9, "minute": 49}
